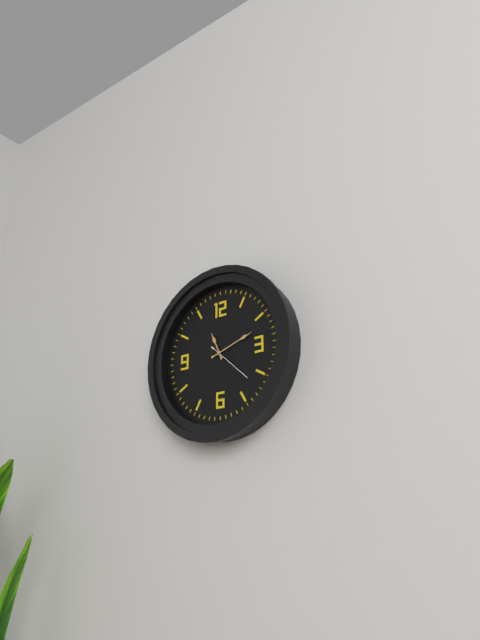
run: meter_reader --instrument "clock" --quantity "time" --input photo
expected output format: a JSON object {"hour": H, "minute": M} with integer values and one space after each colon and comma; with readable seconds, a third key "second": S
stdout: {"hour": 11, "minute": 12}
